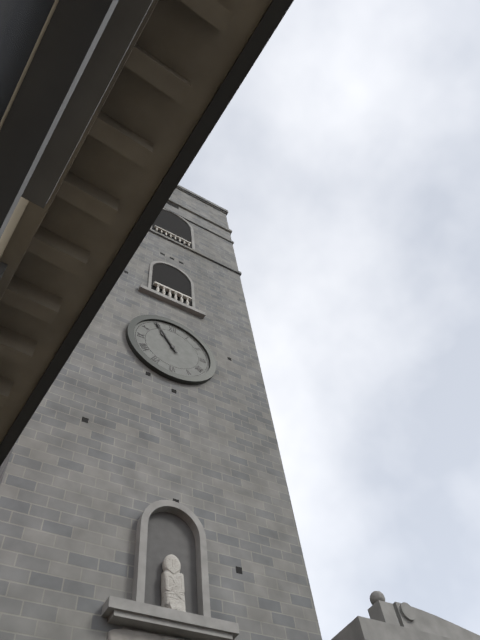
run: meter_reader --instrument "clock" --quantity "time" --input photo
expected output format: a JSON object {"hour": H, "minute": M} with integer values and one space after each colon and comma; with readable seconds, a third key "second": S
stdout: {"hour": 10, "minute": 55}
